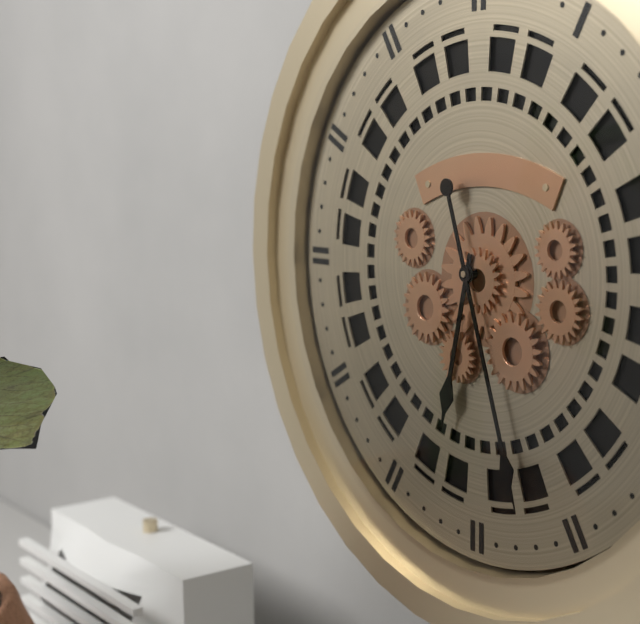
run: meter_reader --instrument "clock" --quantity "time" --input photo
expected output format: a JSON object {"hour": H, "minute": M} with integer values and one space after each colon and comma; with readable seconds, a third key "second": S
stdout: {"hour": 6, "minute": 27}
